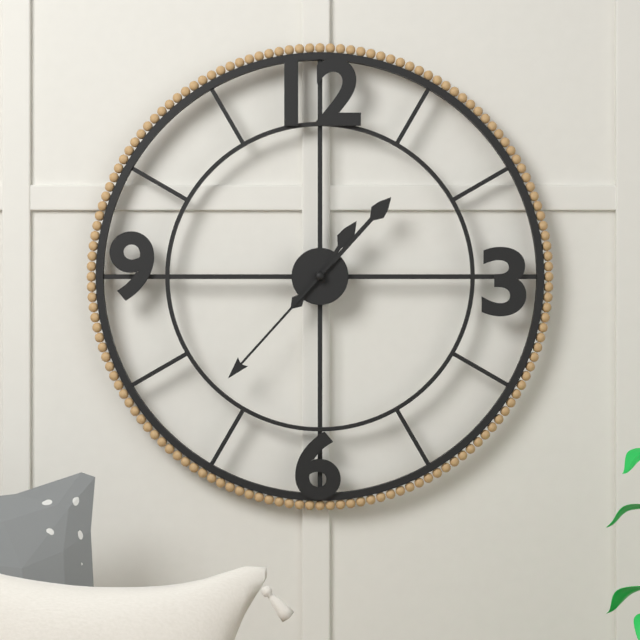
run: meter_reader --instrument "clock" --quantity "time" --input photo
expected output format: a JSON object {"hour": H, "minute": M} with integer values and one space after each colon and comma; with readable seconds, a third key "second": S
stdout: {"hour": 1, "minute": 7, "second": 37}
